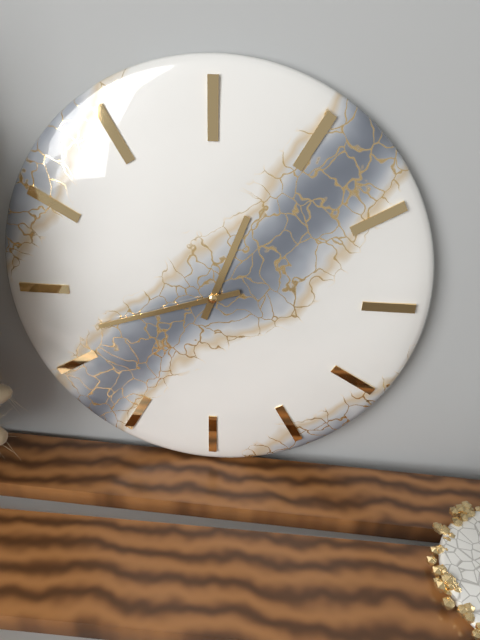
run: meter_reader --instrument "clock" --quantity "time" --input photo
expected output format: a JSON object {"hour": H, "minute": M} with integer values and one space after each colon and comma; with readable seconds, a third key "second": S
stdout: {"hour": 12, "minute": 42}
